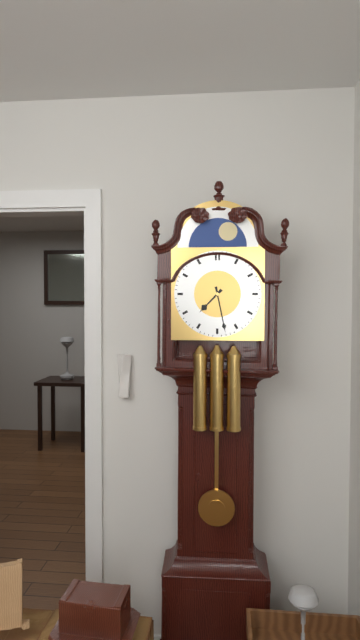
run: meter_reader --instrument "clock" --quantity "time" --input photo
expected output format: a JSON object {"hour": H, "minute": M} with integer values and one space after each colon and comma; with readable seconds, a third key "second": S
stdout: {"hour": 7, "minute": 28}
